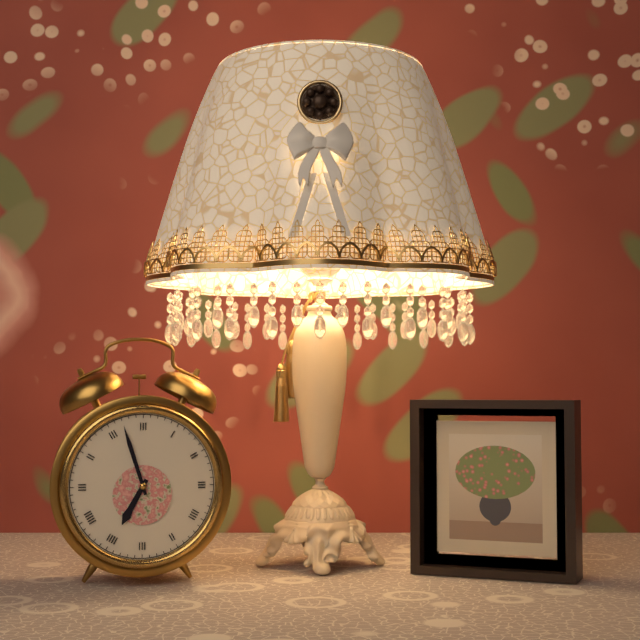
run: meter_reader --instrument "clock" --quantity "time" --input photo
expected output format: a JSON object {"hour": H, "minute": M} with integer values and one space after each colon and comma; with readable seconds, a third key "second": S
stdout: {"hour": 6, "minute": 57}
